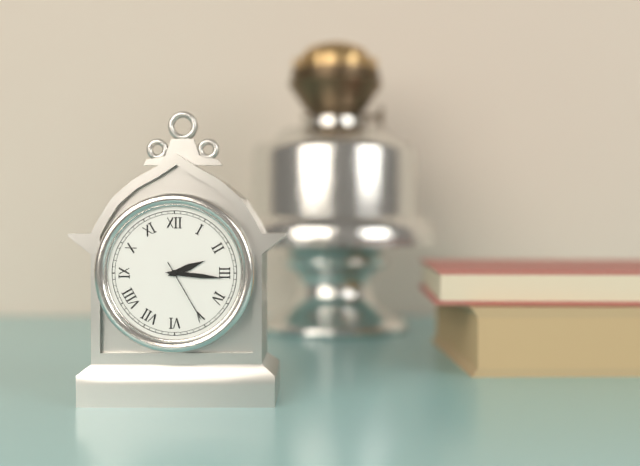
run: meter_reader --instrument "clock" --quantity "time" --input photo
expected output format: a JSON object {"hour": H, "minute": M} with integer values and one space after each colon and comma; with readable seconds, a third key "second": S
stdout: {"hour": 2, "minute": 16, "second": 25}
